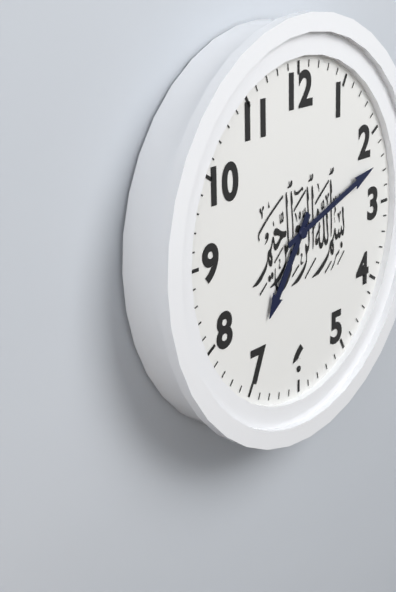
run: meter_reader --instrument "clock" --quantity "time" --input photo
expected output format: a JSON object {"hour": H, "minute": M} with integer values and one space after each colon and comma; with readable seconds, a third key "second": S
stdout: {"hour": 7, "minute": 12}
